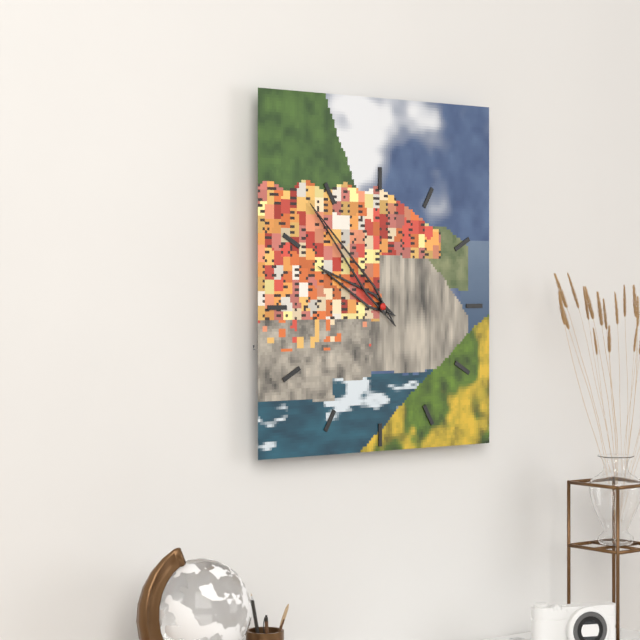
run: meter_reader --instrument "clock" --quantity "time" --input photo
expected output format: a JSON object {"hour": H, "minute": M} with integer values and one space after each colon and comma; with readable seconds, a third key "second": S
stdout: {"hour": 9, "minute": 53}
